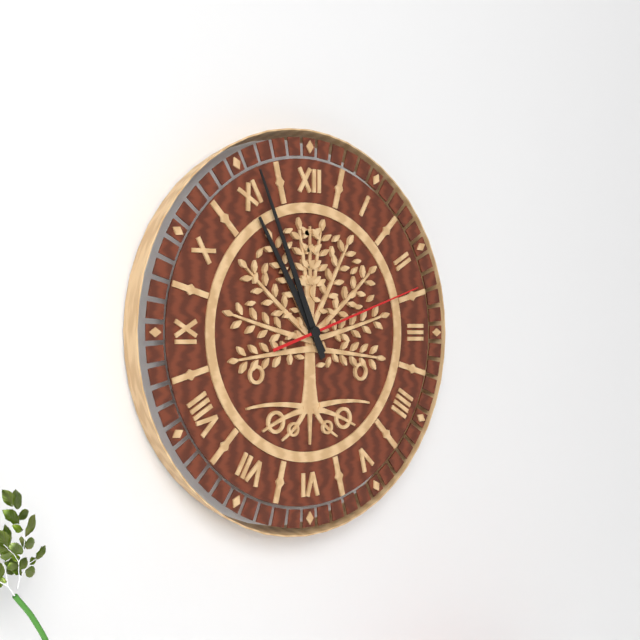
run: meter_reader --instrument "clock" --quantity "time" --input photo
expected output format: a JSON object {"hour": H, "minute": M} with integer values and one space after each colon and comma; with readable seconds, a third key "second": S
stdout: {"hour": 10, "minute": 56, "second": 12}
